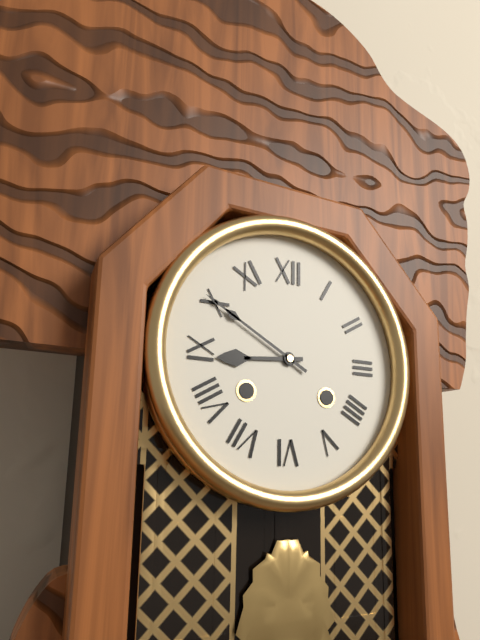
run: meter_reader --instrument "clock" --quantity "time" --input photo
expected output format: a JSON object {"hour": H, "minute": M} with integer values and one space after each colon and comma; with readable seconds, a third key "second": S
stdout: {"hour": 8, "minute": 50}
